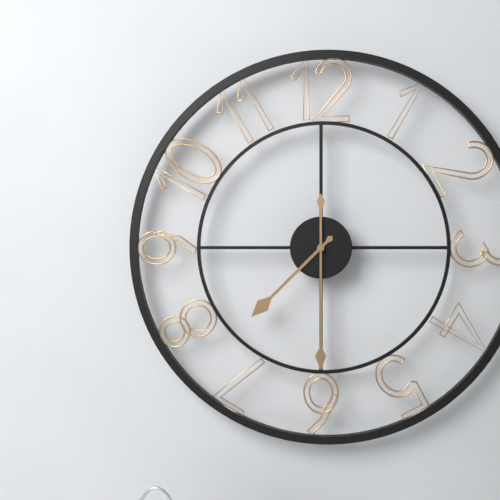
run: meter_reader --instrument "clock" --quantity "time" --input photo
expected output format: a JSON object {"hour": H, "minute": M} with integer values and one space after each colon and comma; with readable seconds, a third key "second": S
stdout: {"hour": 7, "minute": 30}
